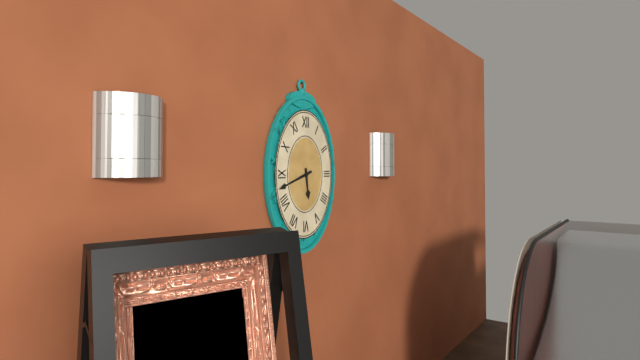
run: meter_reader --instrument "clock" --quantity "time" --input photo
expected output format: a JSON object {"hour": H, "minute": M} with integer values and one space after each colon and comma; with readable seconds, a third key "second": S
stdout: {"hour": 5, "minute": 42}
